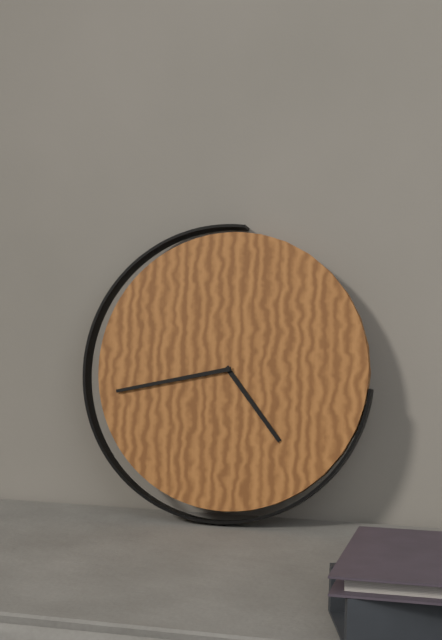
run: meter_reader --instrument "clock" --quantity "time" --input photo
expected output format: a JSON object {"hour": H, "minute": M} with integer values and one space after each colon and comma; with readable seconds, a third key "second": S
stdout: {"hour": 4, "minute": 43}
